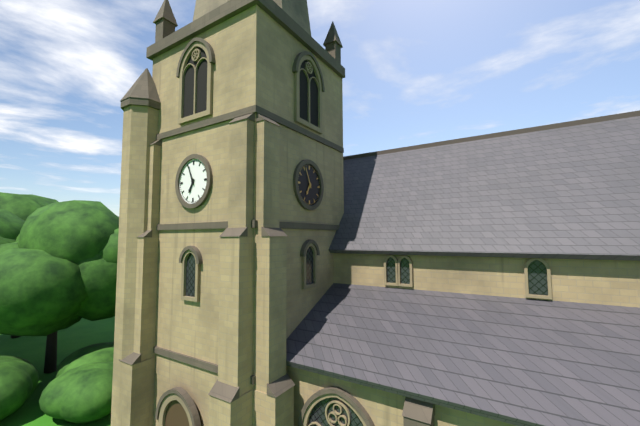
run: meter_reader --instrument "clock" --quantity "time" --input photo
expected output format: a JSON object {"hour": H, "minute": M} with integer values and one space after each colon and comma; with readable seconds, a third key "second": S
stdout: {"hour": 6, "minute": 56}
